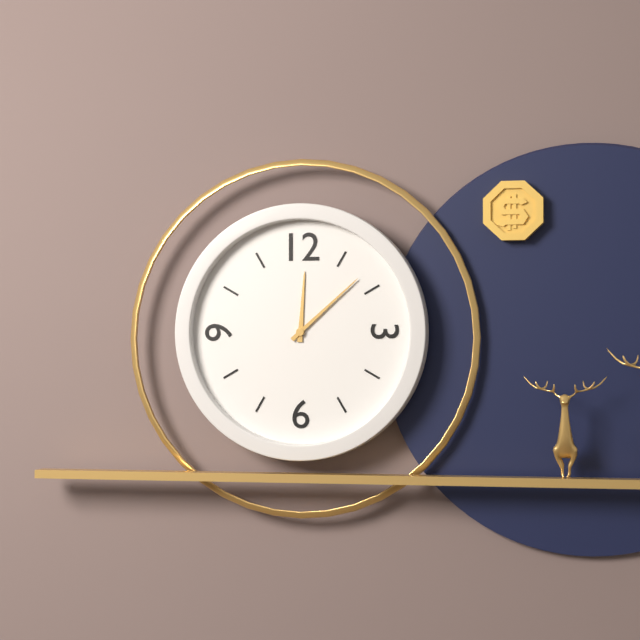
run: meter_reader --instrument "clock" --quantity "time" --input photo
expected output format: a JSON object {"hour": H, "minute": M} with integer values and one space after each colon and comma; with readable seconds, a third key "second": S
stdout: {"hour": 12, "minute": 8}
